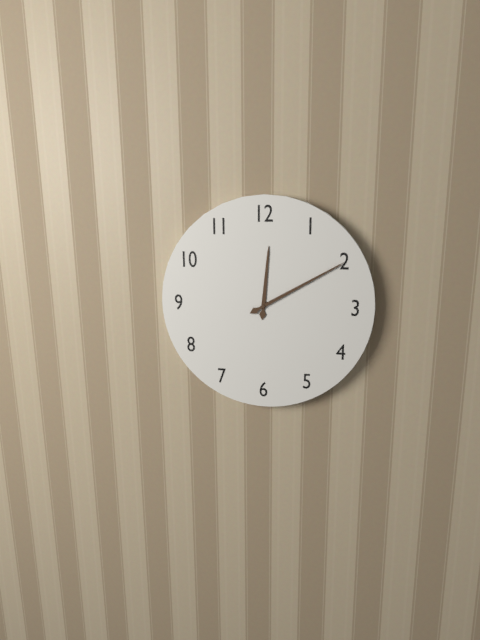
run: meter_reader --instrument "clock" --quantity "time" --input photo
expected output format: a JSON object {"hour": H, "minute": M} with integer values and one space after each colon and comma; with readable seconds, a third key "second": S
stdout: {"hour": 12, "minute": 10}
